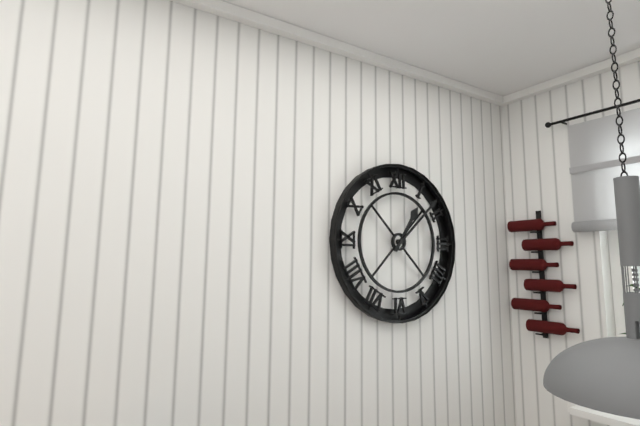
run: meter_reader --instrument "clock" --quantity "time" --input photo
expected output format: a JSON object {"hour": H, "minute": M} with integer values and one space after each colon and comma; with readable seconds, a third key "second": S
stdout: {"hour": 1, "minute": 8}
